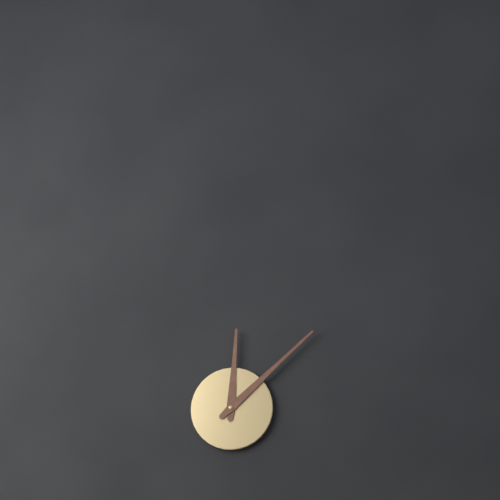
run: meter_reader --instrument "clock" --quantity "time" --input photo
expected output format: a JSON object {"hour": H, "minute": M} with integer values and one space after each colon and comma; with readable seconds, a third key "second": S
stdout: {"hour": 12, "minute": 8}
